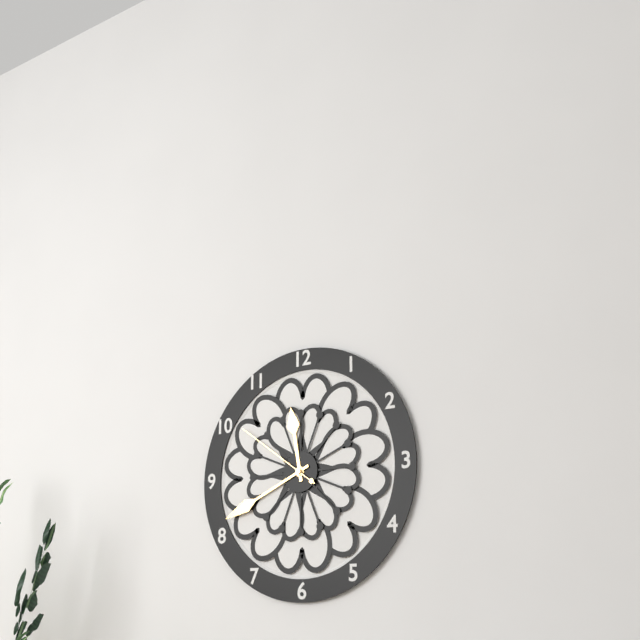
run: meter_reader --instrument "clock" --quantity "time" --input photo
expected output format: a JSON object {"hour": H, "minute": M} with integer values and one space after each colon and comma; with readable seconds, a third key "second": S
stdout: {"hour": 11, "minute": 41, "second": 51}
